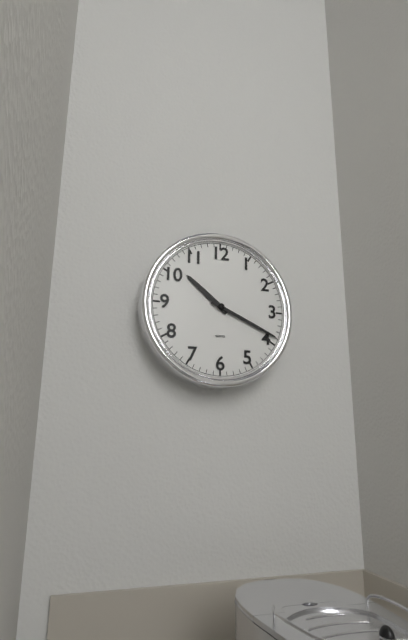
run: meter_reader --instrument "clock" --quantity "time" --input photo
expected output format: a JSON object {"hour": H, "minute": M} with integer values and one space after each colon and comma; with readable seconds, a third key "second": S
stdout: {"hour": 10, "minute": 19}
